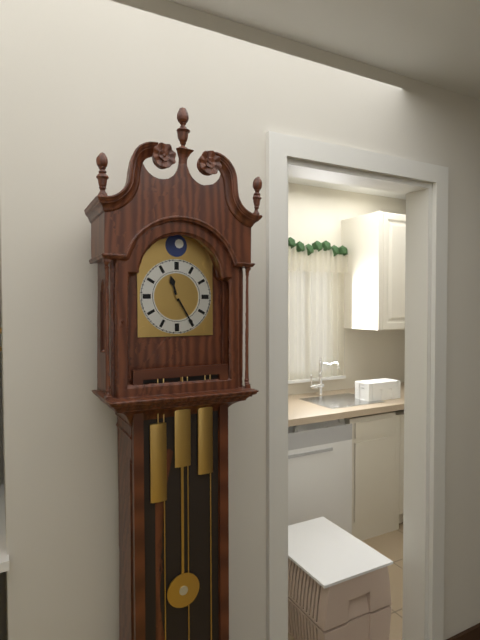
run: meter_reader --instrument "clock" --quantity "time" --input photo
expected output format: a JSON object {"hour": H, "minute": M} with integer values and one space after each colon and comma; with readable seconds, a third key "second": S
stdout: {"hour": 11, "minute": 25}
